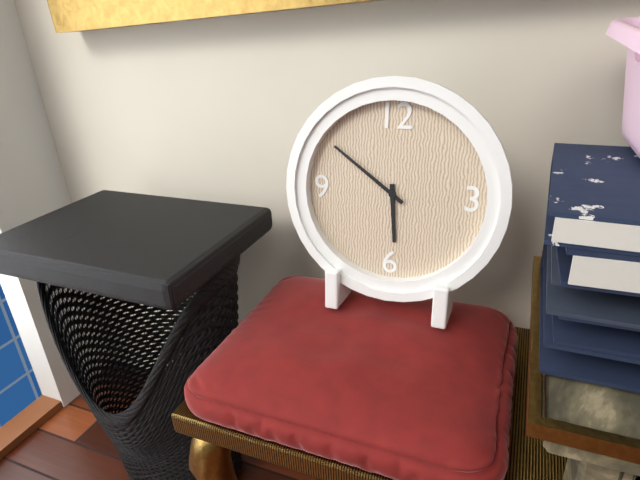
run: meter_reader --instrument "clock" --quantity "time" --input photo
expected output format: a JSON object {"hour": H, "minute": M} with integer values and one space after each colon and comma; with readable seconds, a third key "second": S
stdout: {"hour": 5, "minute": 51}
